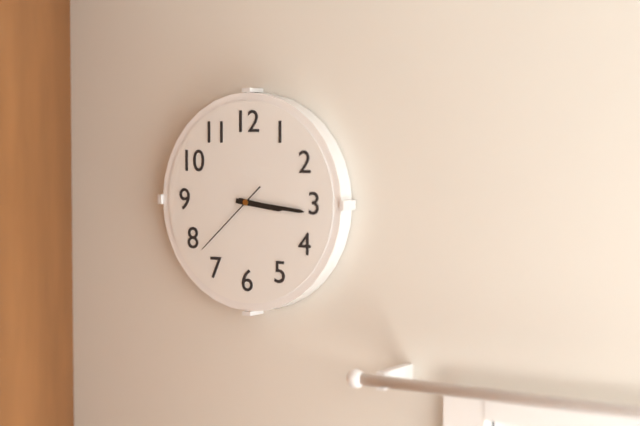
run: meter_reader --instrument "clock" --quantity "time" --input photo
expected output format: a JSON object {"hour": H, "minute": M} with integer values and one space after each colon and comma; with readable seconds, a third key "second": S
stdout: {"hour": 3, "minute": 16, "second": 38}
